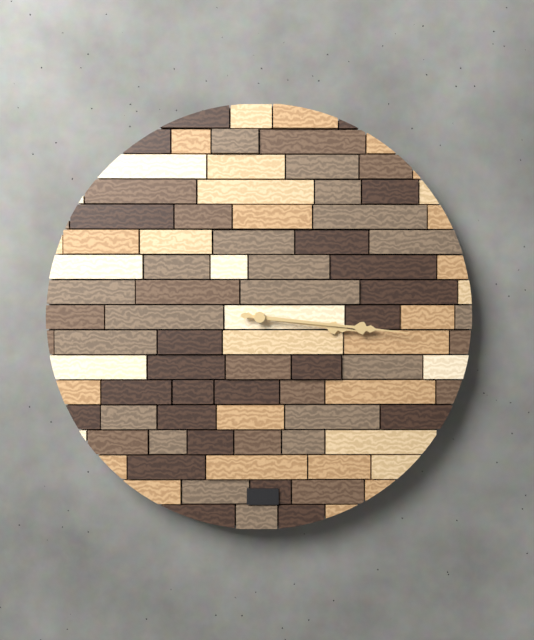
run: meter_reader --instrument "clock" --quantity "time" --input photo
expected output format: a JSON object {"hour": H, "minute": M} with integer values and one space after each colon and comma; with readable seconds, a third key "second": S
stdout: {"hour": 3, "minute": 16}
